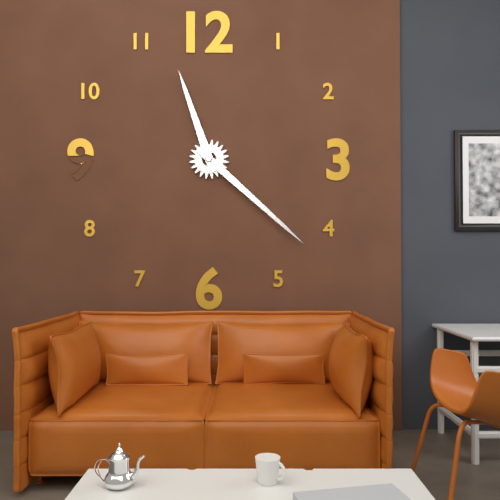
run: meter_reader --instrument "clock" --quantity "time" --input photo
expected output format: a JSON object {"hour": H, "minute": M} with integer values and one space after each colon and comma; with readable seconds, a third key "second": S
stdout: {"hour": 11, "minute": 22}
